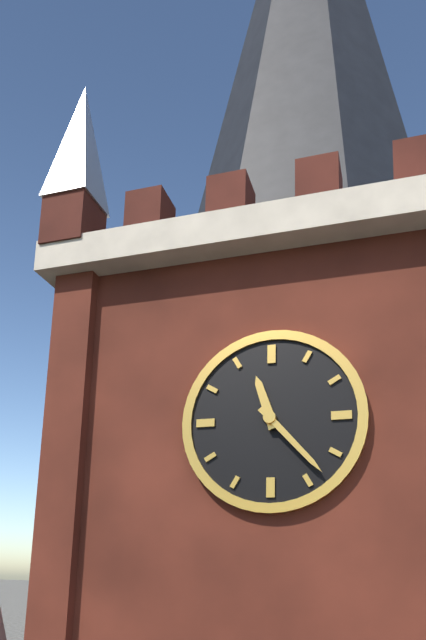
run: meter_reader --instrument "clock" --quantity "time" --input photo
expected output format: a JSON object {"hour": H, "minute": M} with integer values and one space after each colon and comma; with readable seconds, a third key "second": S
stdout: {"hour": 11, "minute": 23}
